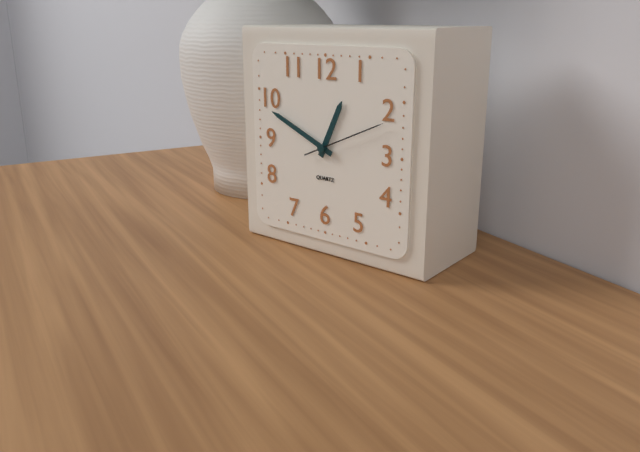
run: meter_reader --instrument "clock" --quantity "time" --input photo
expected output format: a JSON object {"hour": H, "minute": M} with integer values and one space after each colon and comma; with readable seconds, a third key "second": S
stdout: {"hour": 12, "minute": 49, "second": 11}
